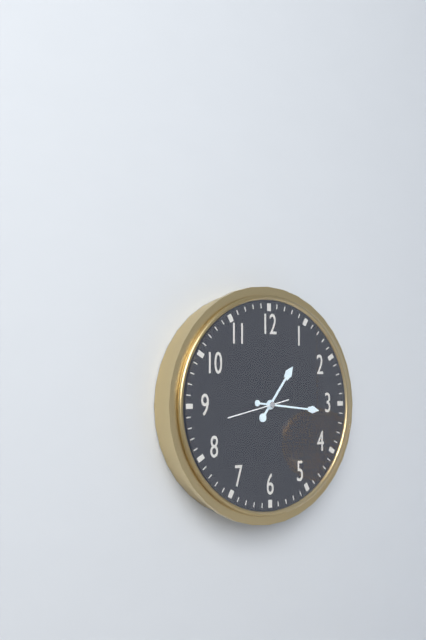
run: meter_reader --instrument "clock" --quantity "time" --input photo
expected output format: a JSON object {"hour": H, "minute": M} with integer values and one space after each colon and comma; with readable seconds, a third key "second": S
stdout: {"hour": 1, "minute": 16, "second": 43}
